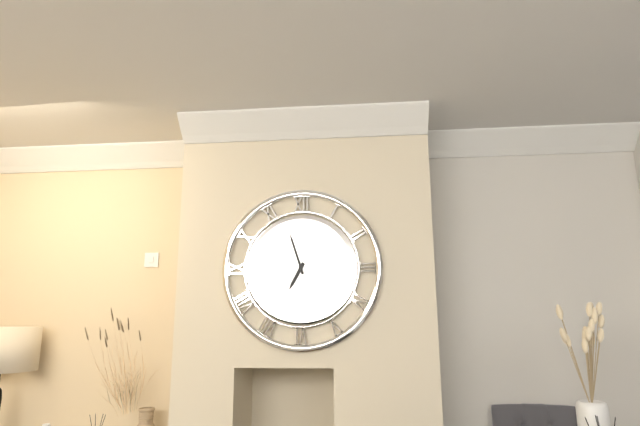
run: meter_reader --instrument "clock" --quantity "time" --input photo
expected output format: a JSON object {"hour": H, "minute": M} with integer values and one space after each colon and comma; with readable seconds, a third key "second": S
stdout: {"hour": 6, "minute": 57}
